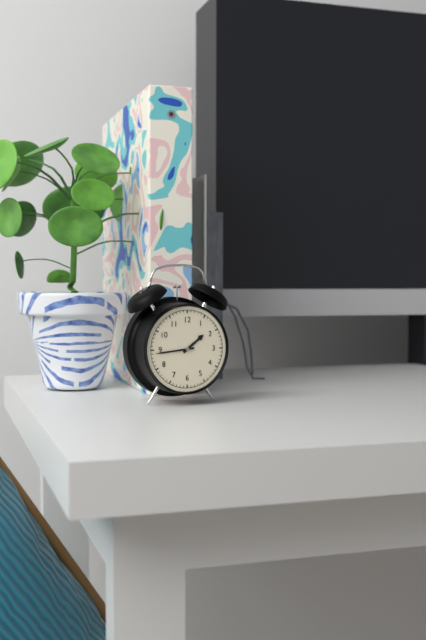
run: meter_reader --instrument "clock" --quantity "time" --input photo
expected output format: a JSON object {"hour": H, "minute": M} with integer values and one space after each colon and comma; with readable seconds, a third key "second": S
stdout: {"hour": 1, "minute": 44}
